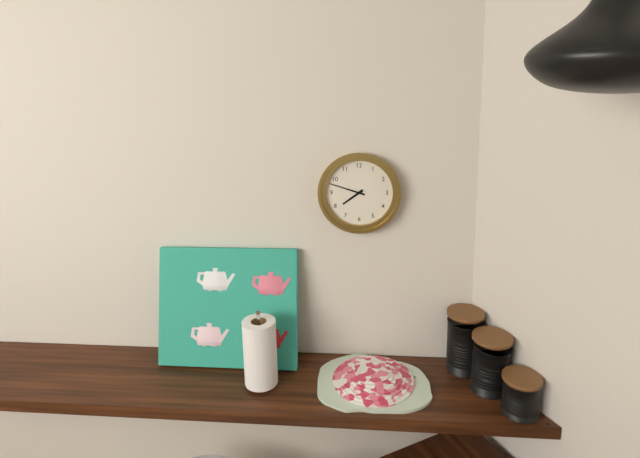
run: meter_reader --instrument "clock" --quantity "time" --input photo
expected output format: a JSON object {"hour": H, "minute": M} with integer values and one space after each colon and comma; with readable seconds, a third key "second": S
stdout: {"hour": 7, "minute": 48}
